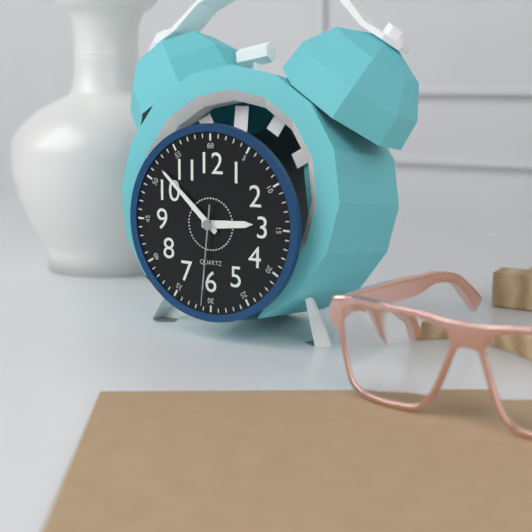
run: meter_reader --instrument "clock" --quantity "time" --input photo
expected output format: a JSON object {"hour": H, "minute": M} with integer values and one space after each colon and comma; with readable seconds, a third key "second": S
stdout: {"hour": 2, "minute": 52, "second": 31}
